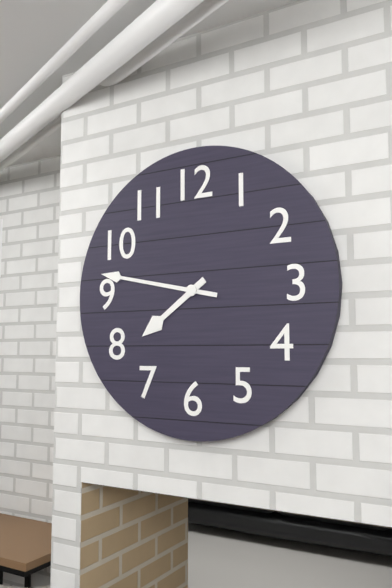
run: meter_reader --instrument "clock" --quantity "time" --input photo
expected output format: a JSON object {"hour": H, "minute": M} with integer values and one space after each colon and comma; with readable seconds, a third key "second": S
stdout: {"hour": 7, "minute": 47}
